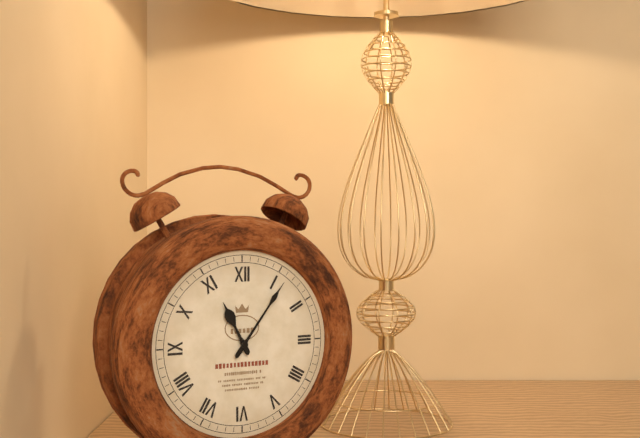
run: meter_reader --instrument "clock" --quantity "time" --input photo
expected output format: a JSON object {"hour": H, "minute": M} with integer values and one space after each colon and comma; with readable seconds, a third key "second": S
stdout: {"hour": 11, "minute": 6}
